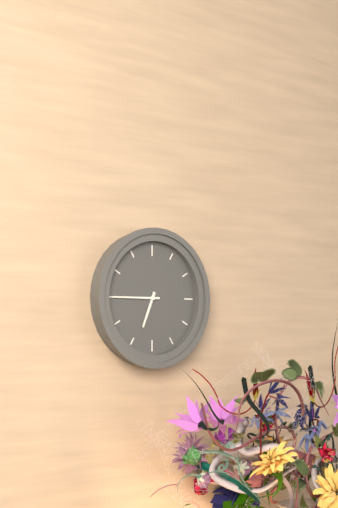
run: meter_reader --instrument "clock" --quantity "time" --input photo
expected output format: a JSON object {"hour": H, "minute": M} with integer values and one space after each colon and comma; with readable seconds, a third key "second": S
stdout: {"hour": 6, "minute": 45}
